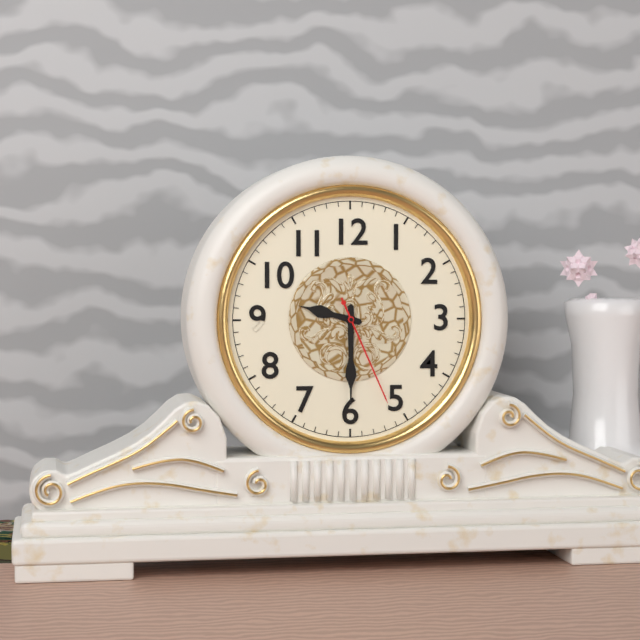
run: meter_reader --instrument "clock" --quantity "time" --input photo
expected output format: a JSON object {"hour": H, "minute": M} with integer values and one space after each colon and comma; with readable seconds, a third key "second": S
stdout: {"hour": 9, "minute": 30, "second": 26}
